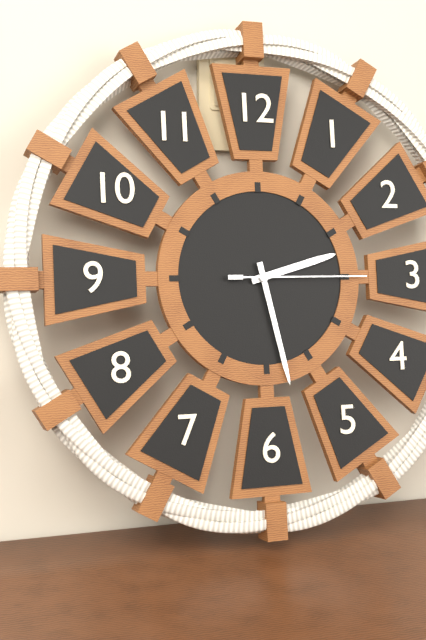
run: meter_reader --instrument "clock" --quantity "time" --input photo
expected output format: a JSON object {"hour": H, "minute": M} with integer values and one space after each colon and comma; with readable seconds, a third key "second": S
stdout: {"hour": 2, "minute": 28, "second": 15}
